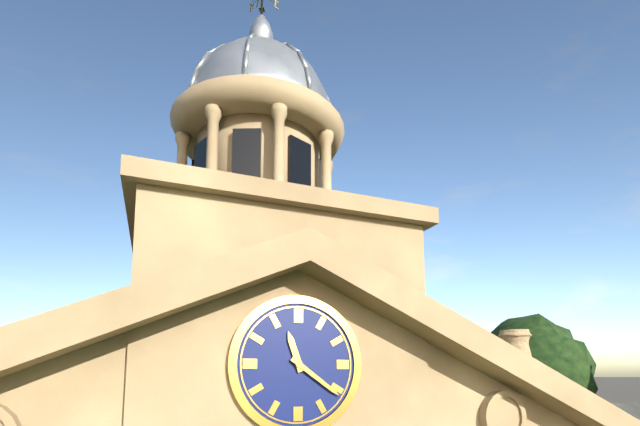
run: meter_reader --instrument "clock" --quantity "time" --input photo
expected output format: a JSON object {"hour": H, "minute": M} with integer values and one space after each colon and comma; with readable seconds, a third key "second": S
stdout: {"hour": 11, "minute": 21}
